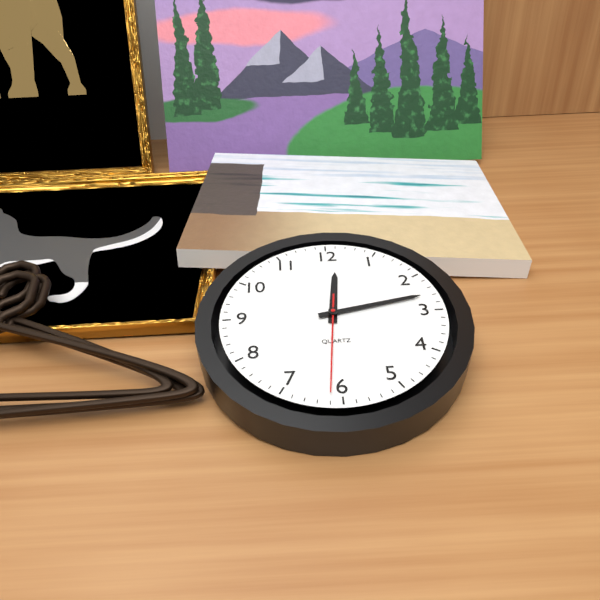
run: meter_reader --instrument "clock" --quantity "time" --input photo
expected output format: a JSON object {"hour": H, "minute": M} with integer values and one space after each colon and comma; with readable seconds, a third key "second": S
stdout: {"hour": 12, "minute": 13, "second": 31}
